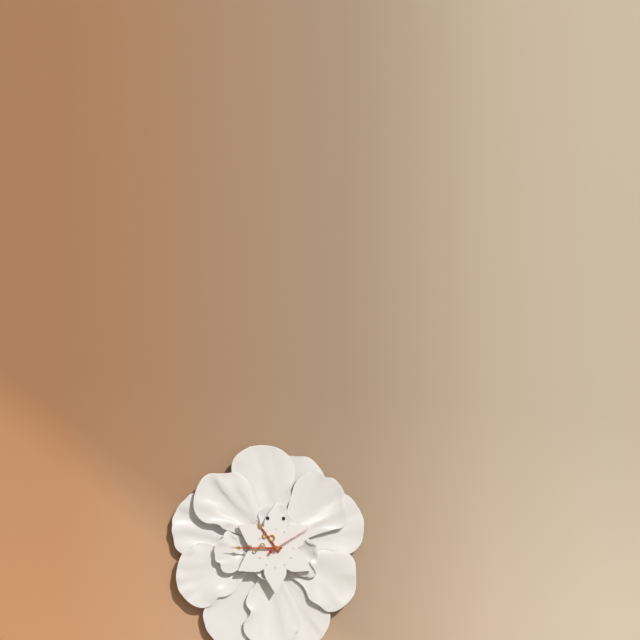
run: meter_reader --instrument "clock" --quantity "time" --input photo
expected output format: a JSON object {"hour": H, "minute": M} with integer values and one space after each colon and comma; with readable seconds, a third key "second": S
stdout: {"hour": 10, "minute": 45}
